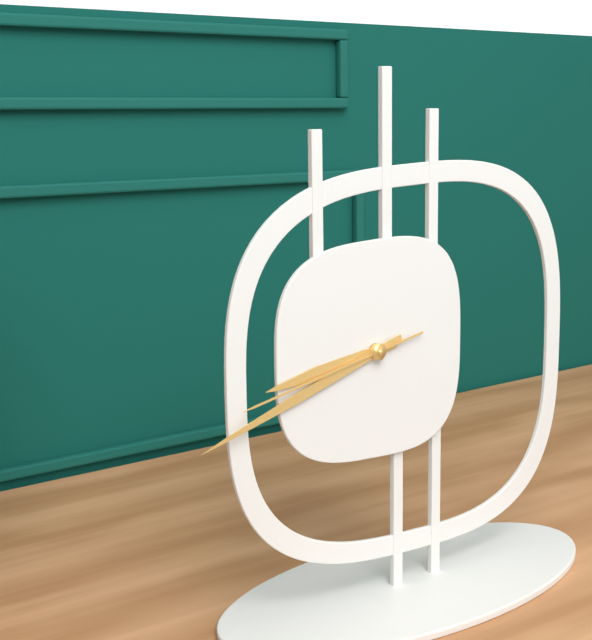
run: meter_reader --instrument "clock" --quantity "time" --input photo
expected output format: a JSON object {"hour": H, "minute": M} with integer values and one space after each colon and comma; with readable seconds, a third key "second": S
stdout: {"hour": 8, "minute": 42, "second": 43}
